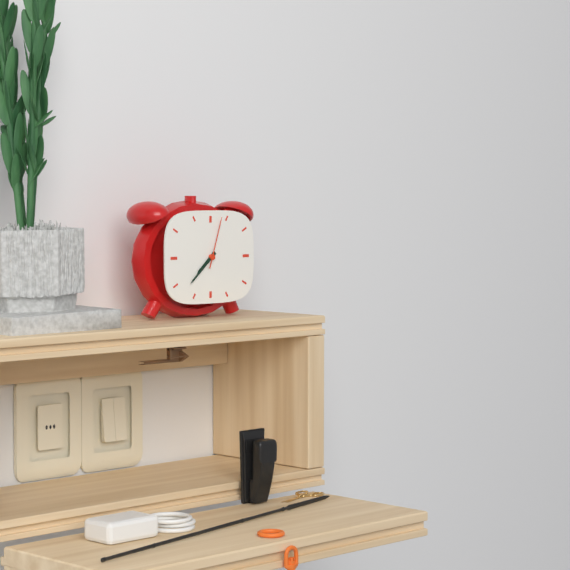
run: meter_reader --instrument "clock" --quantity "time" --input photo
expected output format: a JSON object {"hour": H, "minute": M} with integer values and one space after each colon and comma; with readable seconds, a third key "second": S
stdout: {"hour": 7, "minute": 38, "second": 3}
